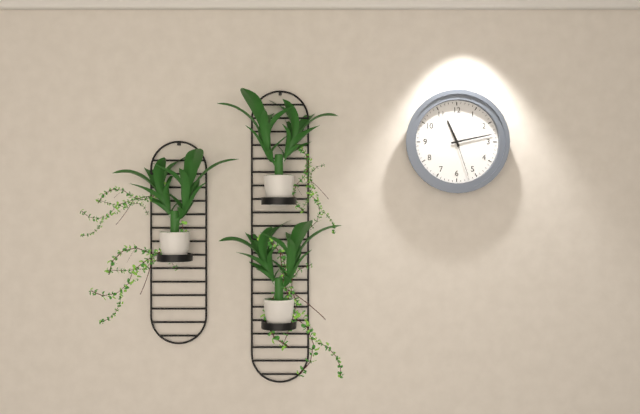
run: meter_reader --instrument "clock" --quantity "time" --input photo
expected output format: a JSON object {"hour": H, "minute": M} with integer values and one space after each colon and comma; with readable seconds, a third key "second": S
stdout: {"hour": 11, "minute": 13}
